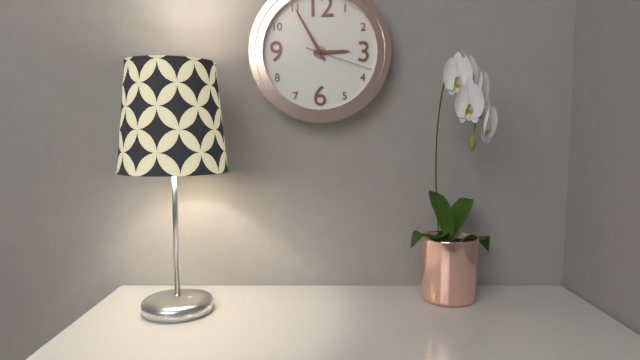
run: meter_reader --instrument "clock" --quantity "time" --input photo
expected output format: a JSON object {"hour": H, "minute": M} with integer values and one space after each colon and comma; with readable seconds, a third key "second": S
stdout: {"hour": 2, "minute": 55, "second": 18}
